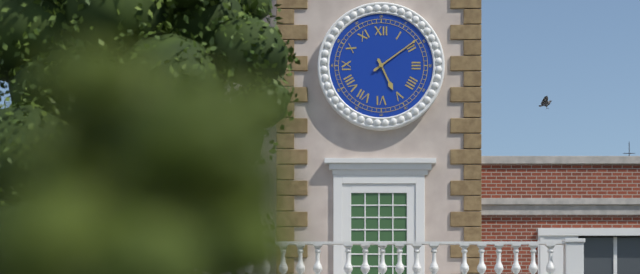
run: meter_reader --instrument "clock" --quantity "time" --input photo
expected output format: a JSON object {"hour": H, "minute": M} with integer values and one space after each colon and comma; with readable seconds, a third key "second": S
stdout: {"hour": 5, "minute": 9}
